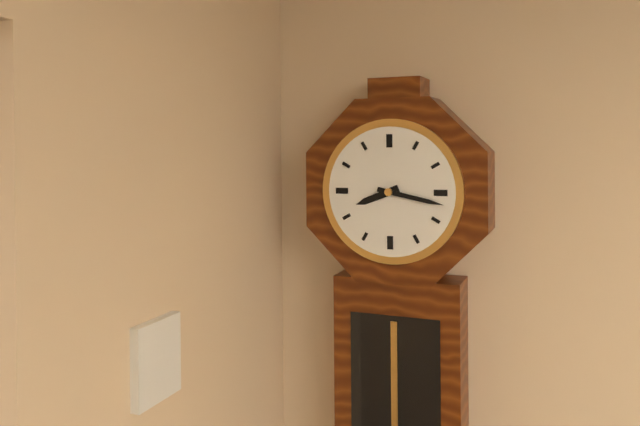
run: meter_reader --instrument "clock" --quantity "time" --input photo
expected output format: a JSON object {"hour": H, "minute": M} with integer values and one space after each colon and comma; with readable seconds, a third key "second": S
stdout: {"hour": 8, "minute": 17}
